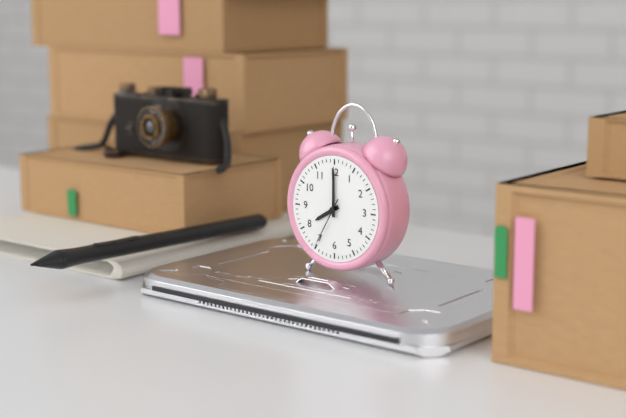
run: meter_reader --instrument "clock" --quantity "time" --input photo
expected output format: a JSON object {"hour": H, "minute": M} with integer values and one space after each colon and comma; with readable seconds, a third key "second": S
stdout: {"hour": 8, "minute": 0, "second": 35}
